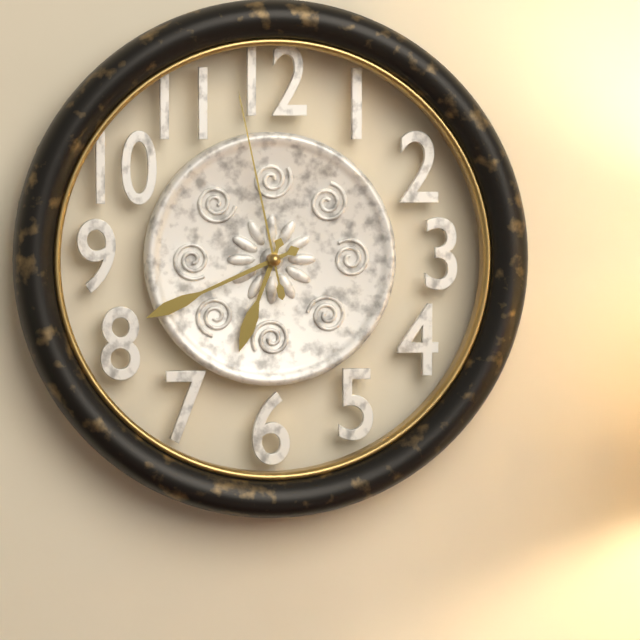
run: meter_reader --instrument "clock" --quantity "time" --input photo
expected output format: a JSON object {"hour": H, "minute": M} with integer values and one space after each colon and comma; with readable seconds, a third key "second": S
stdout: {"hour": 6, "minute": 41, "second": 58}
